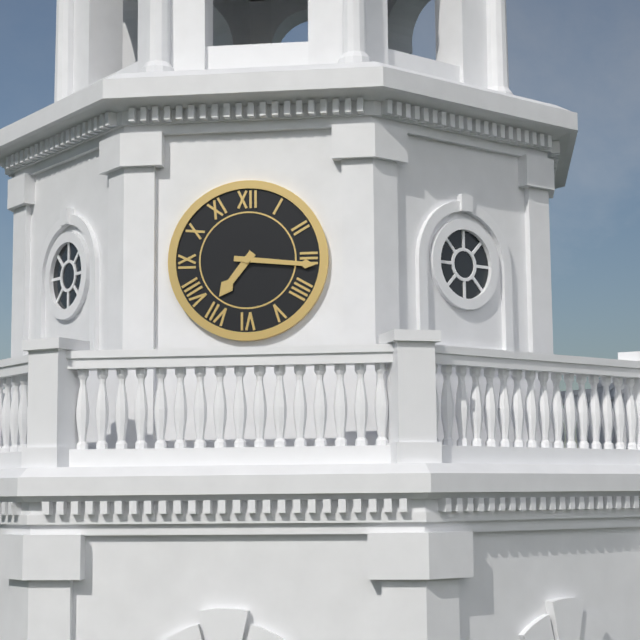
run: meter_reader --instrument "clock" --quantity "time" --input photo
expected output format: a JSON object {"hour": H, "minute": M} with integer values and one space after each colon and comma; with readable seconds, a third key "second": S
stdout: {"hour": 7, "minute": 16}
